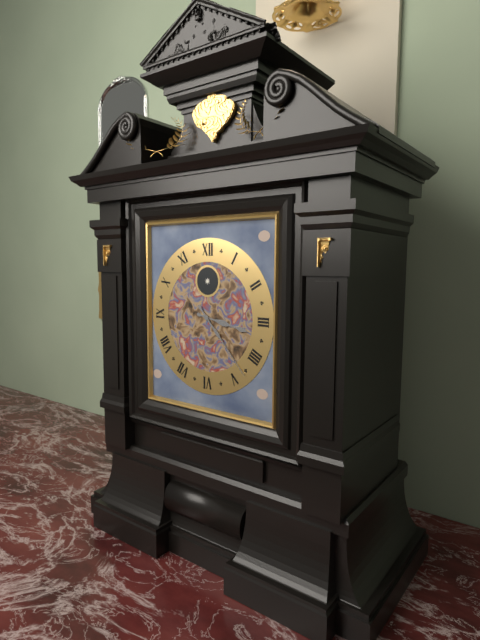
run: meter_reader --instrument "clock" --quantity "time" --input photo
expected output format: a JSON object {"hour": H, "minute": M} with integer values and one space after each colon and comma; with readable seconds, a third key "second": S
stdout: {"hour": 3, "minute": 23}
